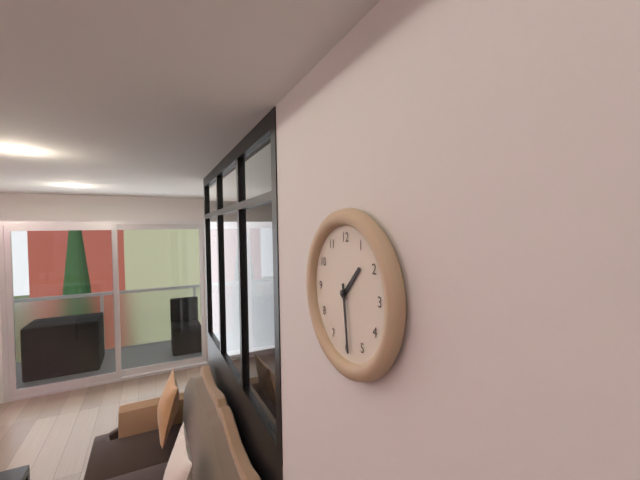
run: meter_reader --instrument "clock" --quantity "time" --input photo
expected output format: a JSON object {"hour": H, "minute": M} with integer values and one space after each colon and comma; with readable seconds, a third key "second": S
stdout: {"hour": 1, "minute": 29}
